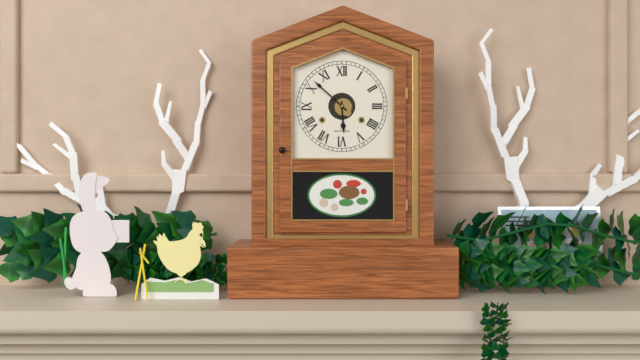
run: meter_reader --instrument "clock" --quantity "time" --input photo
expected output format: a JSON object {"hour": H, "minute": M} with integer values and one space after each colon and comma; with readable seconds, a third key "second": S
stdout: {"hour": 5, "minute": 52}
